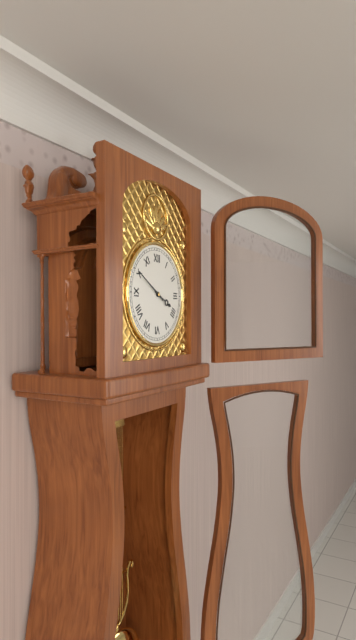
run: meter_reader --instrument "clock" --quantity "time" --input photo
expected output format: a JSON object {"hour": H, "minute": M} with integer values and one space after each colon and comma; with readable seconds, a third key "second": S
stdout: {"hour": 3, "minute": 50}
